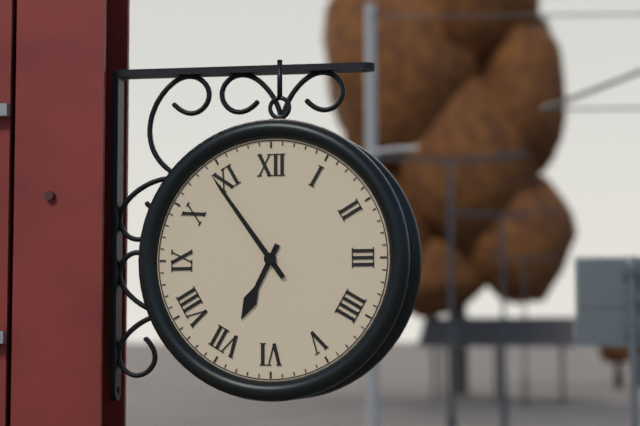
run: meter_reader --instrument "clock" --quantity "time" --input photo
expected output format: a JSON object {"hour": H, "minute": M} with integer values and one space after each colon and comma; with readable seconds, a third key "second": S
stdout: {"hour": 6, "minute": 54}
